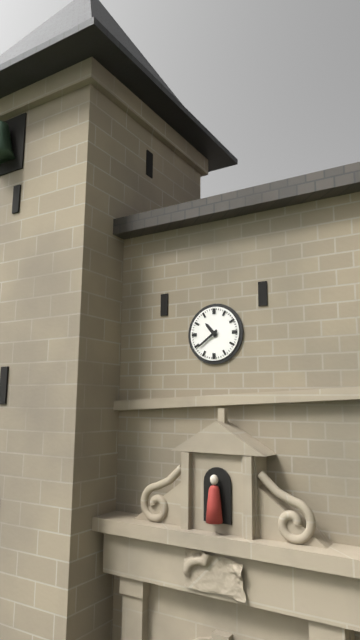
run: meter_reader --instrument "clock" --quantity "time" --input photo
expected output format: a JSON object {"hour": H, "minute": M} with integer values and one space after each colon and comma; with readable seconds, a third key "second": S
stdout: {"hour": 10, "minute": 39}
